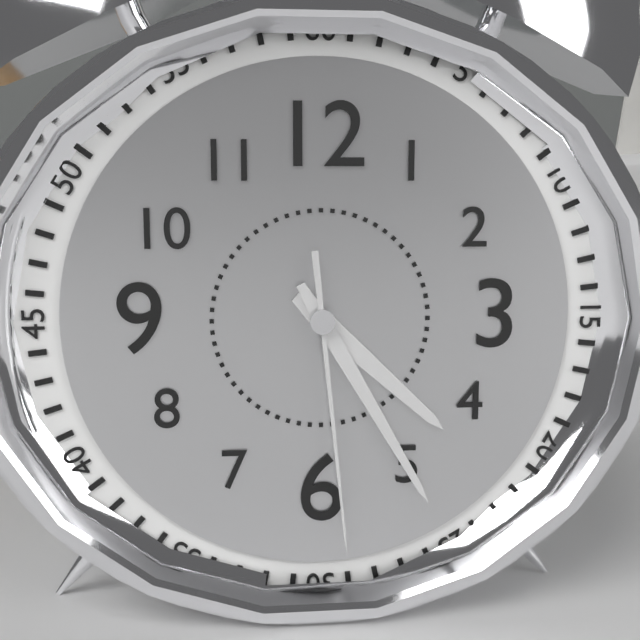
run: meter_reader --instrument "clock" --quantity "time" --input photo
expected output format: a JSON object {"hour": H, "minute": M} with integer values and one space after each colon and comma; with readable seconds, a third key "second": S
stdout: {"hour": 4, "minute": 25, "second": 29}
